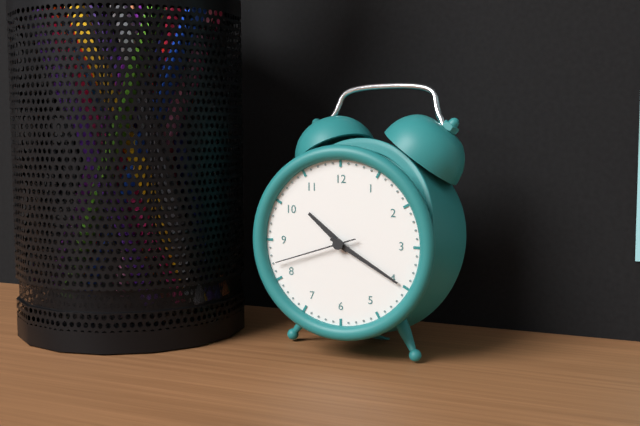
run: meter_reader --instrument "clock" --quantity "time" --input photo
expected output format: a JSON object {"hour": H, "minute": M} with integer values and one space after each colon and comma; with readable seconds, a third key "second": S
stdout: {"hour": 10, "minute": 20, "second": 42}
